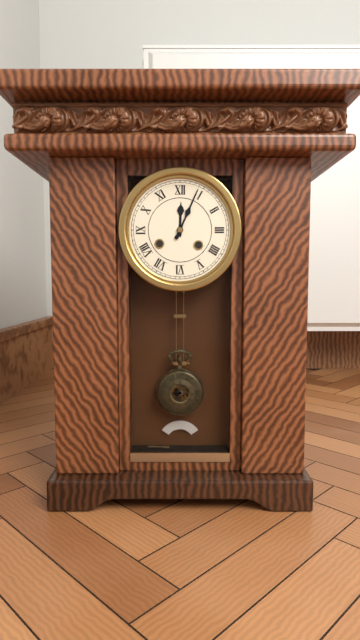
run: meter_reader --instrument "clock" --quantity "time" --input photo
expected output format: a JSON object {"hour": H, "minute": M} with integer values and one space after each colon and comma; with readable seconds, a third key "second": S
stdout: {"hour": 12, "minute": 4}
